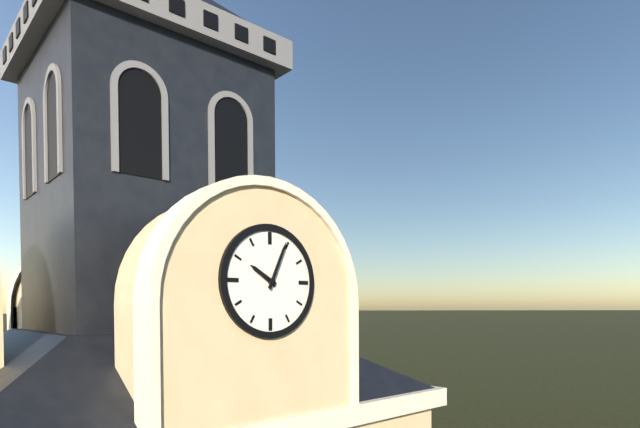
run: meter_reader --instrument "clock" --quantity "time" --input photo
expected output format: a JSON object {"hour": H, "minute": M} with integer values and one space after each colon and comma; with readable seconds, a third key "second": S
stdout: {"hour": 10, "minute": 4}
